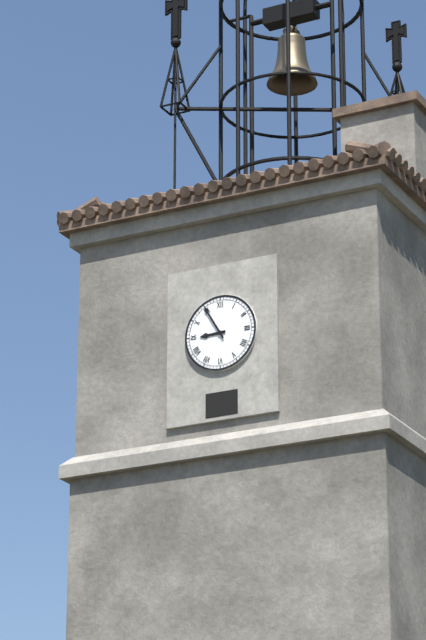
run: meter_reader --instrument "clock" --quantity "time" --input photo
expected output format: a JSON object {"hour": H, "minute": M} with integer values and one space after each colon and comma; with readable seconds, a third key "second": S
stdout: {"hour": 8, "minute": 55}
